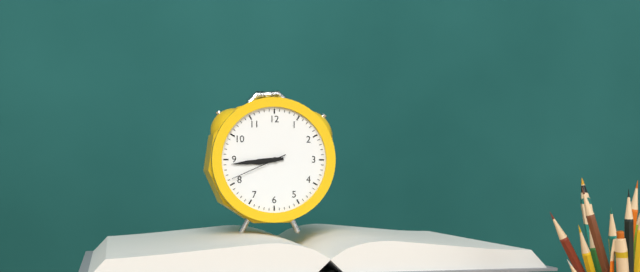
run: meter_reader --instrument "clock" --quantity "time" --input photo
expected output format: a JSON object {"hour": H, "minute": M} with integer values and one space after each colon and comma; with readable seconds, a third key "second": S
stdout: {"hour": 8, "minute": 44, "second": 41}
